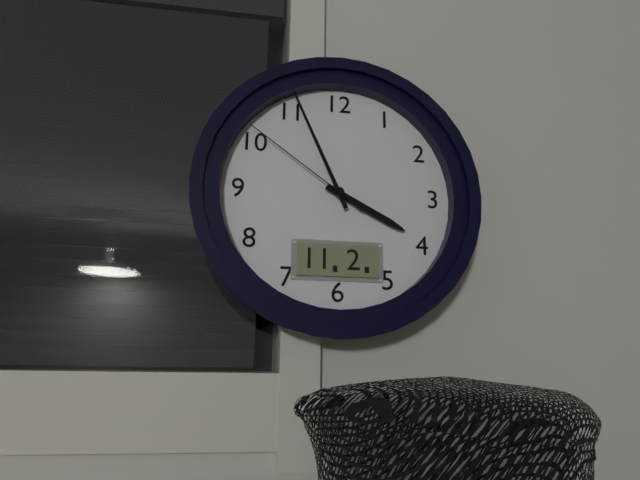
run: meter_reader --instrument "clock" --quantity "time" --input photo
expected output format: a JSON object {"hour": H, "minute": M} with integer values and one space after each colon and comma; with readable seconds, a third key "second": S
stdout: {"hour": 3, "minute": 56, "second": 51}
